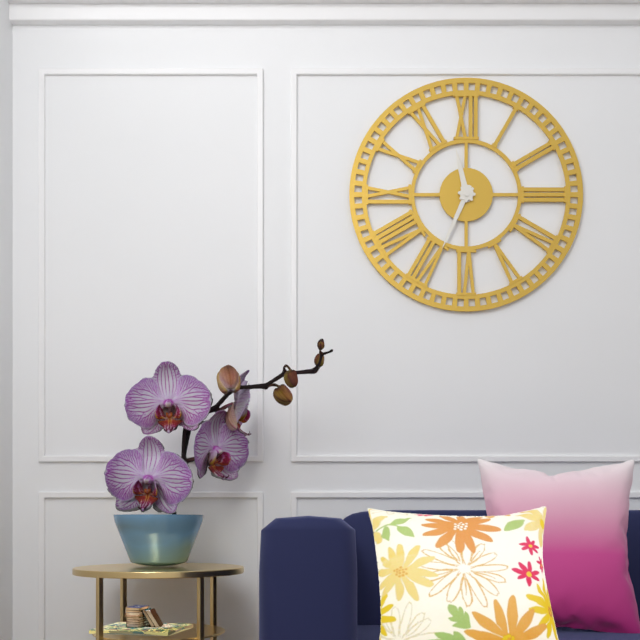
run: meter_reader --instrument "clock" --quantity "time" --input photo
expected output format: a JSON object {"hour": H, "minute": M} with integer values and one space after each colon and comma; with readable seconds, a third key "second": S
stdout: {"hour": 11, "minute": 34}
